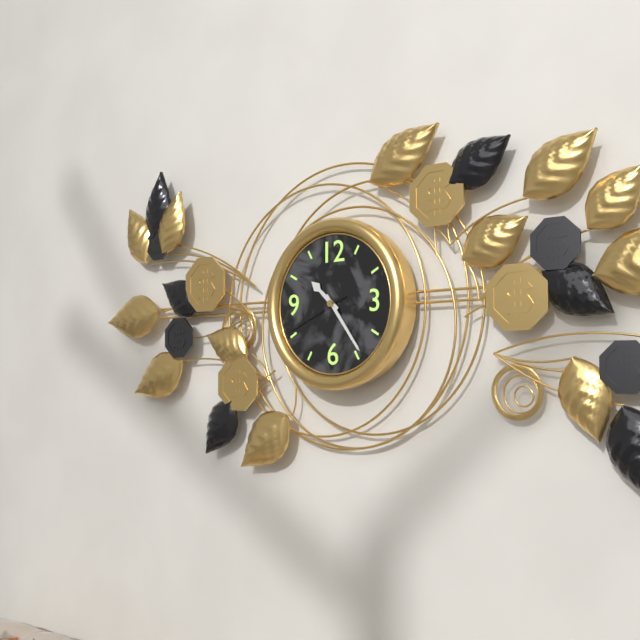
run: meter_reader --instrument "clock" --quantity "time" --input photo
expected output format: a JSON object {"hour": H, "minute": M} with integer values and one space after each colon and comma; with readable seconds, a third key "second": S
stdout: {"hour": 10, "minute": 24, "second": 41}
